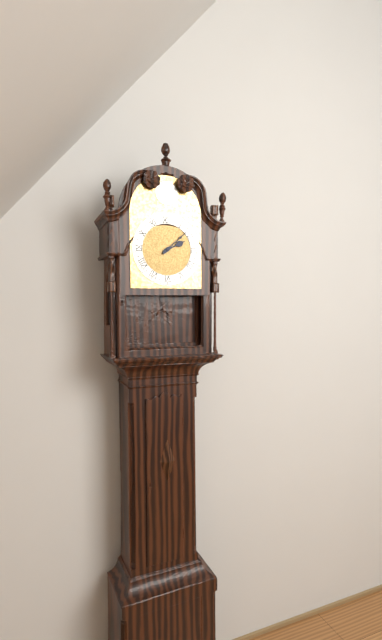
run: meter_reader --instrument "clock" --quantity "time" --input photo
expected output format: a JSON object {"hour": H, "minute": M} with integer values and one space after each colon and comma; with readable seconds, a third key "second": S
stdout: {"hour": 2, "minute": 8}
